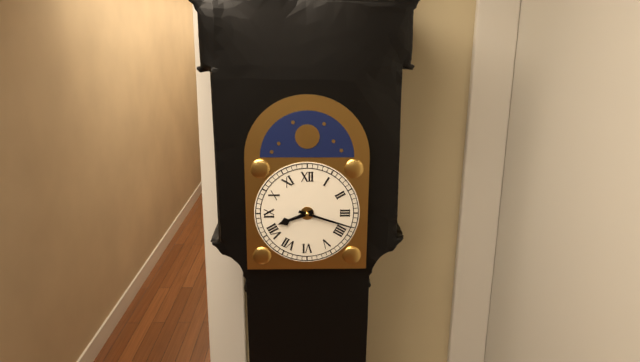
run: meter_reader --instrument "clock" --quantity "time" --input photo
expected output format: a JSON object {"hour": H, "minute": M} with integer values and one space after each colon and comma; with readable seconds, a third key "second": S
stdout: {"hour": 8, "minute": 18}
